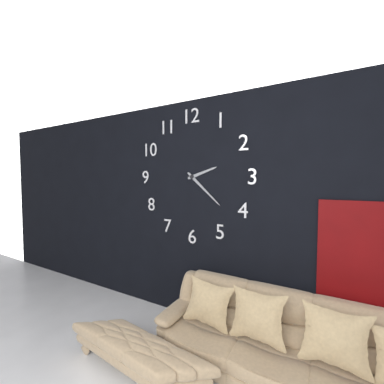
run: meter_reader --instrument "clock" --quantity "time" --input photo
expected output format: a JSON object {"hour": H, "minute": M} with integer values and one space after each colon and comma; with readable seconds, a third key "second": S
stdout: {"hour": 2, "minute": 22}
